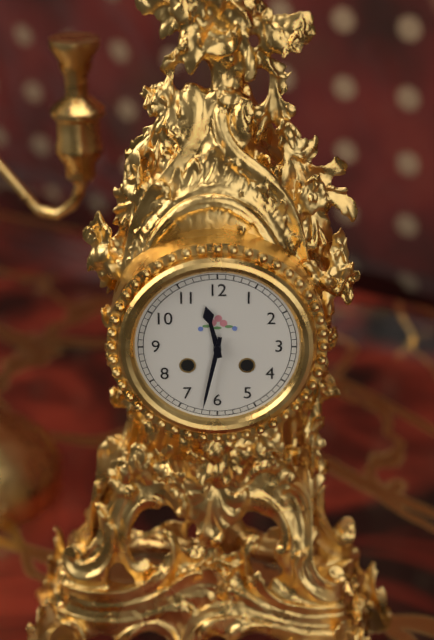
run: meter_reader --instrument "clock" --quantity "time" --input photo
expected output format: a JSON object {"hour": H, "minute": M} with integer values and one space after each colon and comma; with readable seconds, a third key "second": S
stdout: {"hour": 11, "minute": 32}
